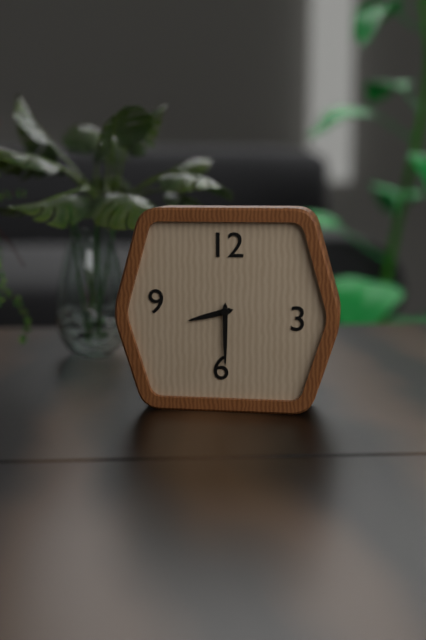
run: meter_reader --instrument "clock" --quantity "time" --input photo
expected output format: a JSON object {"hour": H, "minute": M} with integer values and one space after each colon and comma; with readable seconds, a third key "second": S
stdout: {"hour": 8, "minute": 30}
